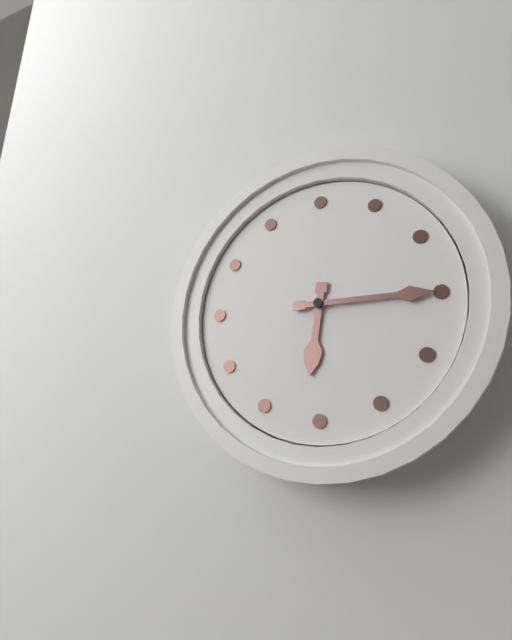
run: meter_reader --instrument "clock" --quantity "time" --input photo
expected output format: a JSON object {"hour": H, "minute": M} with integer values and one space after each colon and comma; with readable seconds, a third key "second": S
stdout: {"hour": 6, "minute": 15}
